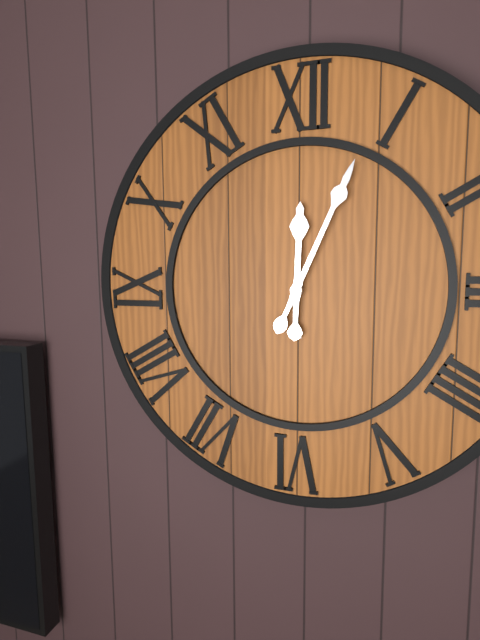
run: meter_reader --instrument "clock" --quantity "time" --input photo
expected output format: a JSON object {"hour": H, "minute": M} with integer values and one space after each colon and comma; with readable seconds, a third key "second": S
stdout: {"hour": 12, "minute": 4}
